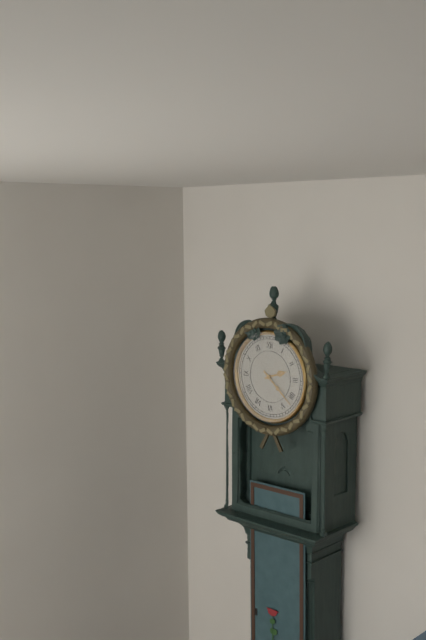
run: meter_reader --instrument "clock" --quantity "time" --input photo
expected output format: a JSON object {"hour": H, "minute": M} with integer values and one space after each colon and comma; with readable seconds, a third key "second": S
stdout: {"hour": 2, "minute": 22}
